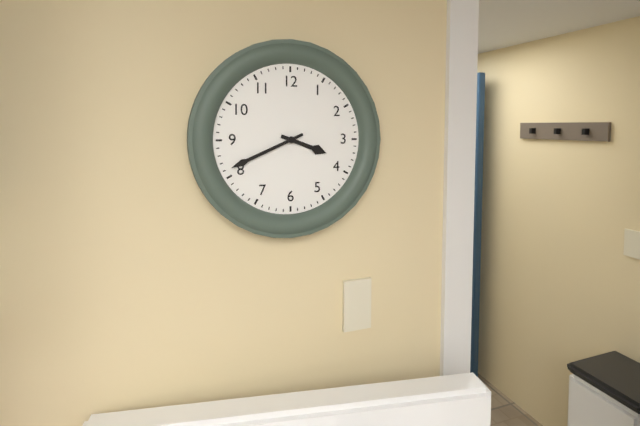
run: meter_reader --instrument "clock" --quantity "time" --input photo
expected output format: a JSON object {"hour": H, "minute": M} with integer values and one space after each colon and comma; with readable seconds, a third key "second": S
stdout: {"hour": 3, "minute": 41}
